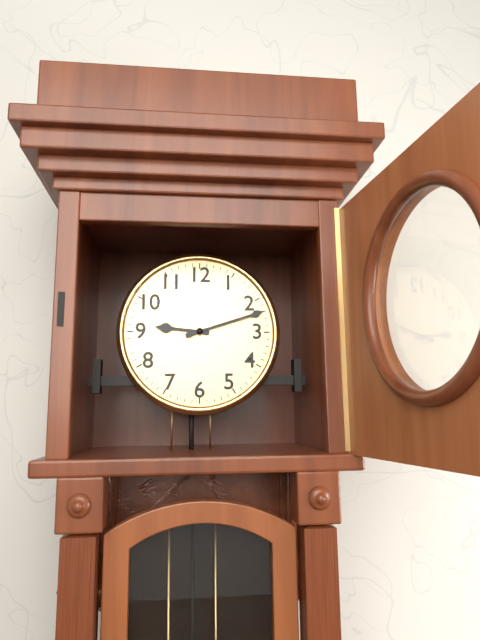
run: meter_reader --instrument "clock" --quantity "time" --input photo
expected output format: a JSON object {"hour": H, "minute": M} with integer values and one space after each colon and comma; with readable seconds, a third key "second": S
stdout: {"hour": 9, "minute": 12}
